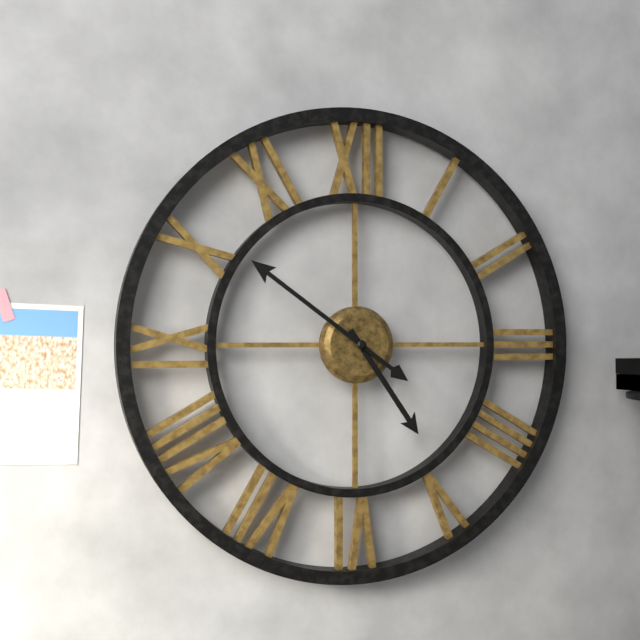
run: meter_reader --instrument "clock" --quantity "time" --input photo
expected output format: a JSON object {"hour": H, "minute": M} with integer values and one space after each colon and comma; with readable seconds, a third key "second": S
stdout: {"hour": 4, "minute": 51}
